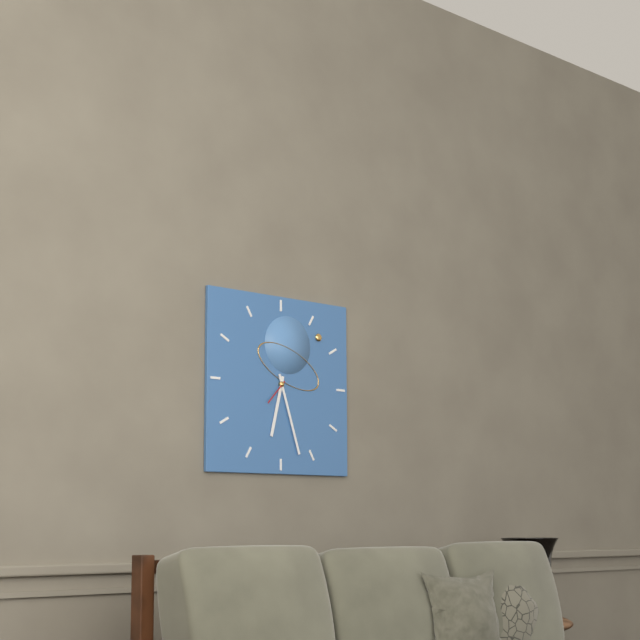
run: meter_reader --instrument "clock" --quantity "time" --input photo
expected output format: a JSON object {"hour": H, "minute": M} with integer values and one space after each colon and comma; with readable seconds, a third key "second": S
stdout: {"hour": 6, "minute": 27}
